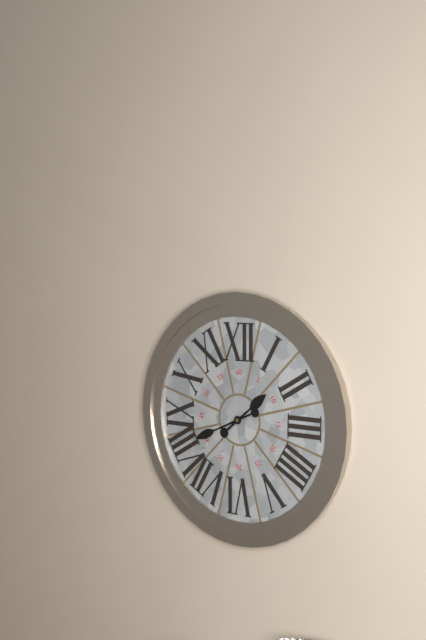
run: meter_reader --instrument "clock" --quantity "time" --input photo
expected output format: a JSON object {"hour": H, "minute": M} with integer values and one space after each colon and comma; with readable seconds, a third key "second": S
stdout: {"hour": 1, "minute": 41}
